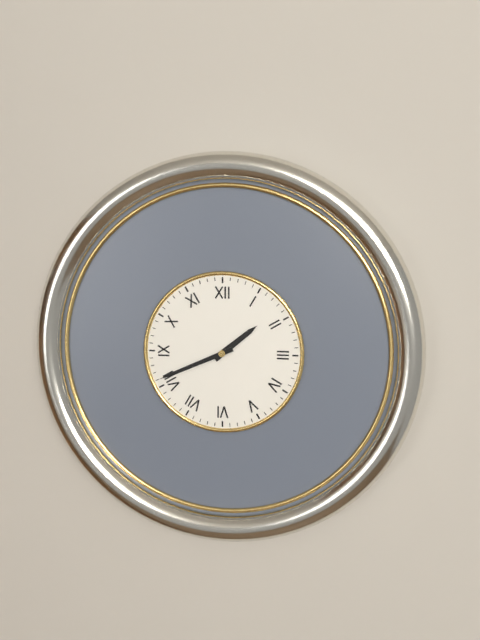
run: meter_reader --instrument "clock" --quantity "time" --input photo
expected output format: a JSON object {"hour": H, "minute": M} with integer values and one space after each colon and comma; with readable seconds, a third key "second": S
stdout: {"hour": 1, "minute": 41}
